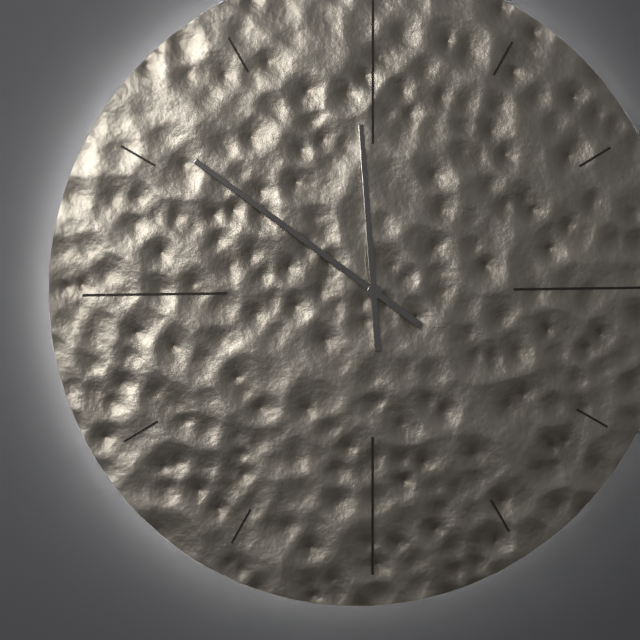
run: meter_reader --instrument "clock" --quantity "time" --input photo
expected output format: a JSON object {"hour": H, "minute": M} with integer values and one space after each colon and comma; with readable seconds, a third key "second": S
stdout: {"hour": 11, "minute": 51}
